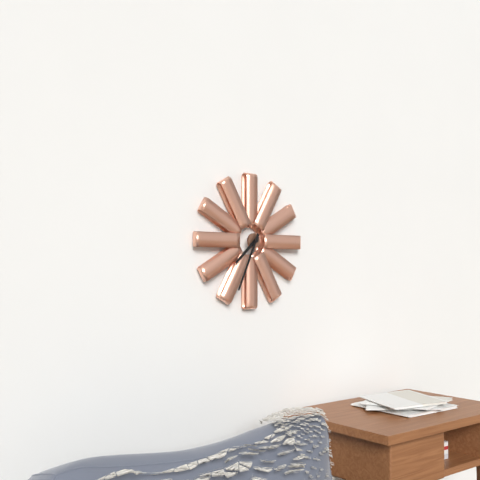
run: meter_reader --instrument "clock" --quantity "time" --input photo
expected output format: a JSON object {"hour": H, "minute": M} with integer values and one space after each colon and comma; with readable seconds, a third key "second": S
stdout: {"hour": 7, "minute": 34}
